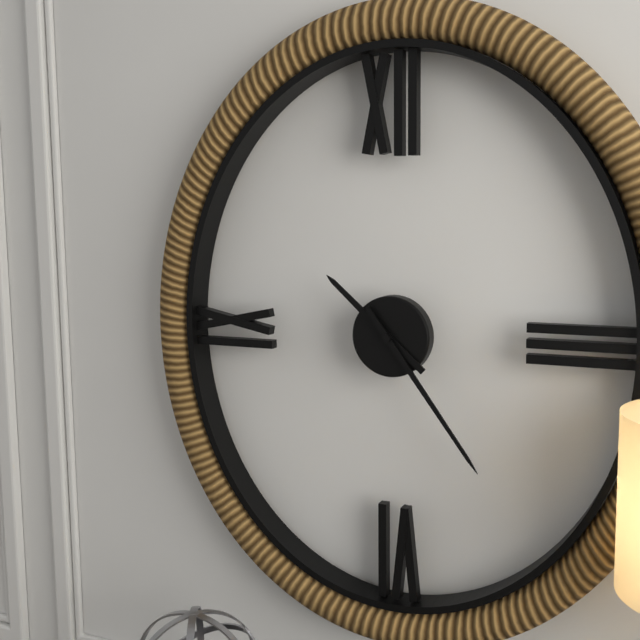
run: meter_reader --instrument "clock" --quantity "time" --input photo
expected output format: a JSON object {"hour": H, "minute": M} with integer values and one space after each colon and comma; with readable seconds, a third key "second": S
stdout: {"hour": 10, "minute": 24}
